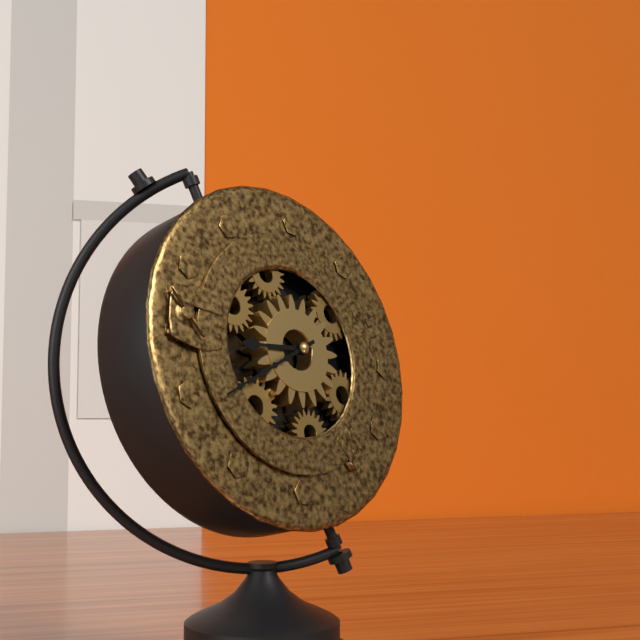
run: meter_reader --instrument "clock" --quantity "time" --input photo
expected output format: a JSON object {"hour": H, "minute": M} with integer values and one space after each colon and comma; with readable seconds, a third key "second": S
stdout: {"hour": 8, "minute": 39}
